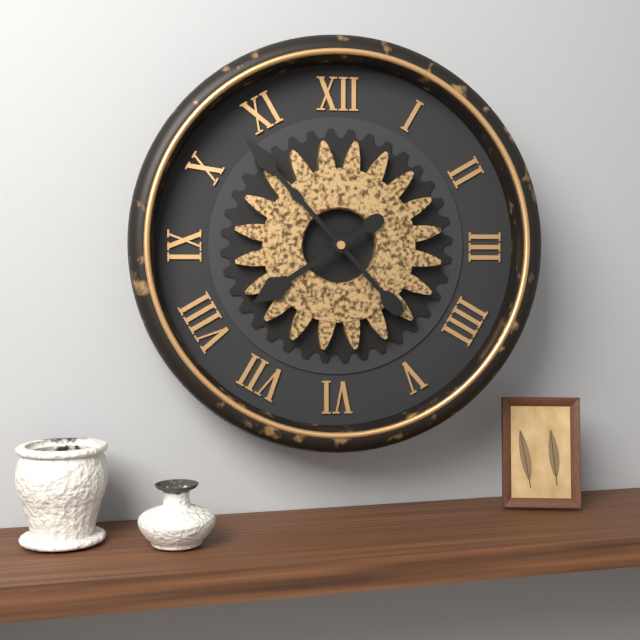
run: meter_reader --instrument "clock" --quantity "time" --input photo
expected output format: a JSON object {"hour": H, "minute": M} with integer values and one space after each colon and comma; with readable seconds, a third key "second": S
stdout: {"hour": 7, "minute": 53}
